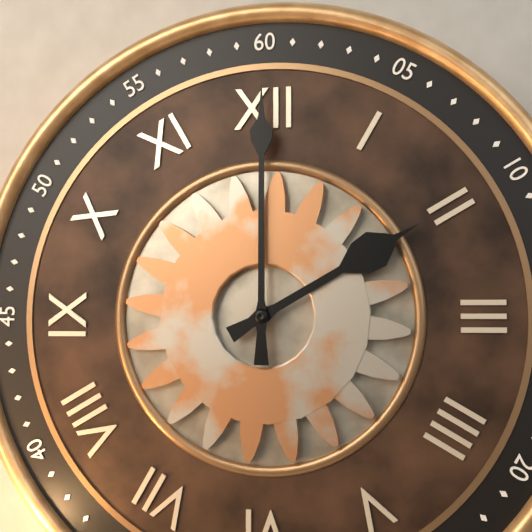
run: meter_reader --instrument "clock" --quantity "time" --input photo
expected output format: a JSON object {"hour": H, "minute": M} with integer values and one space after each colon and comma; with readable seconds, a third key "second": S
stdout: {"hour": 2, "minute": 0}
